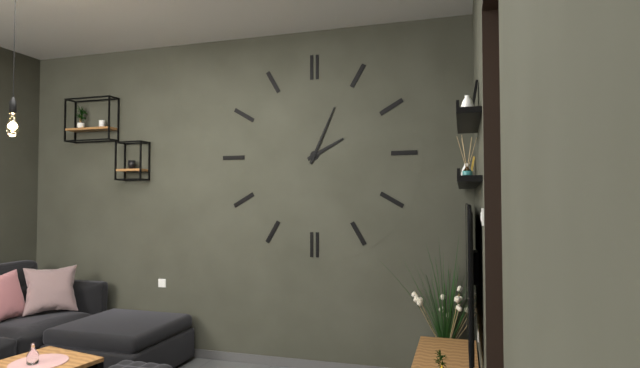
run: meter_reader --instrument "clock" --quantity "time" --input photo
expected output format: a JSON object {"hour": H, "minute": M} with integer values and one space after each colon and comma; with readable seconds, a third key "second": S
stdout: {"hour": 2, "minute": 4}
